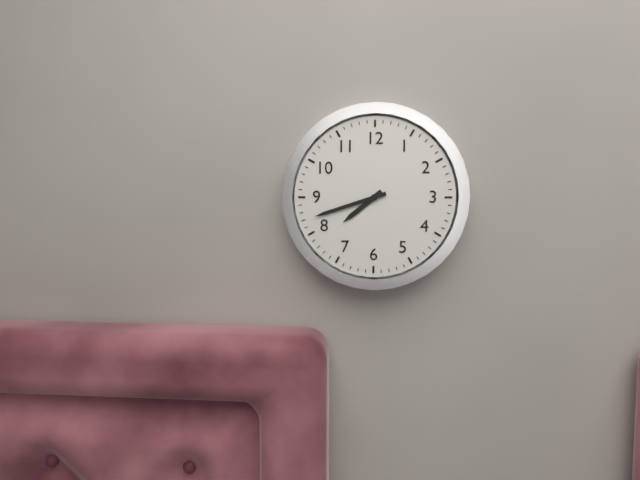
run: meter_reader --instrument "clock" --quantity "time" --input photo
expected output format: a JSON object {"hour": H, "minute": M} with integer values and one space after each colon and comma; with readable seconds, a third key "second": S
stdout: {"hour": 7, "minute": 42}
